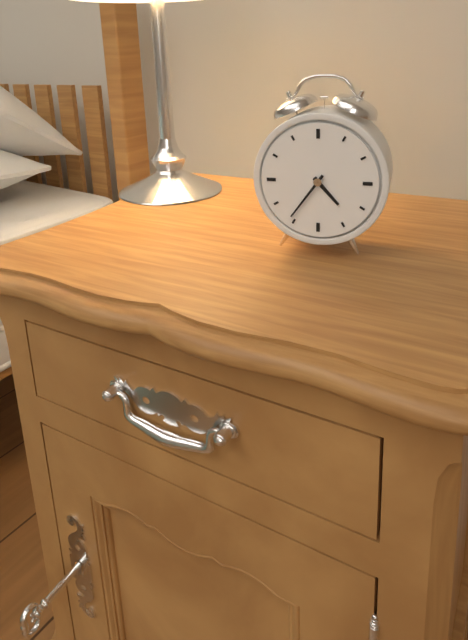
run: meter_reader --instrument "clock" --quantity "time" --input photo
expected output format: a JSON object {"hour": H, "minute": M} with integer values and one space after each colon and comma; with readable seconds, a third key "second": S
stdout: {"hour": 4, "minute": 36}
